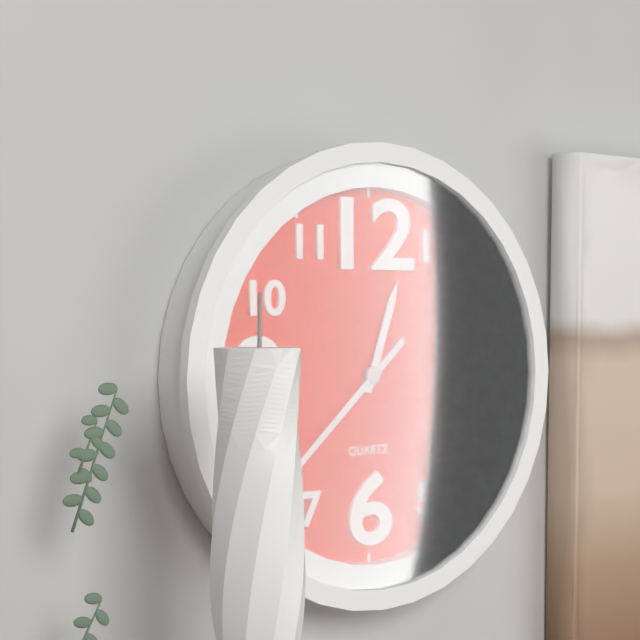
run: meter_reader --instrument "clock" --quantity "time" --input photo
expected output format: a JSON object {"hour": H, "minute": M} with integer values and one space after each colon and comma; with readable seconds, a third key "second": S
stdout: {"hour": 12, "minute": 38}
